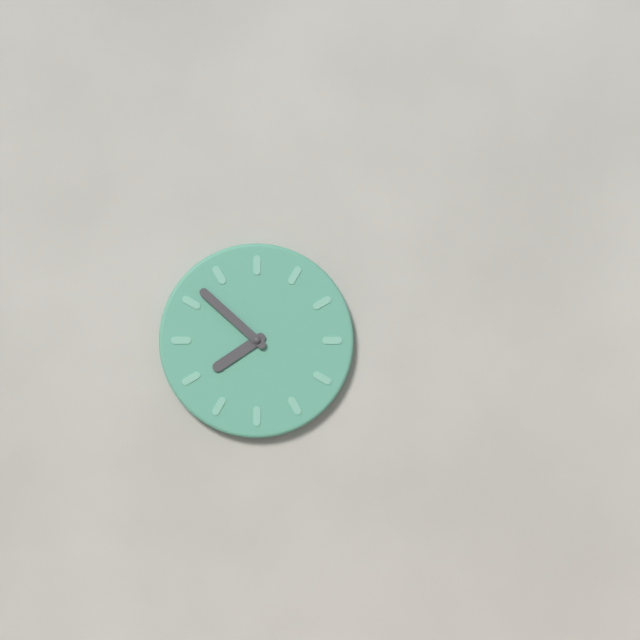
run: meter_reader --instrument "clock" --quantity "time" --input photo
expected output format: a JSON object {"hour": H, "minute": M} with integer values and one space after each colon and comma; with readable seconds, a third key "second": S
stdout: {"hour": 7, "minute": 52}
